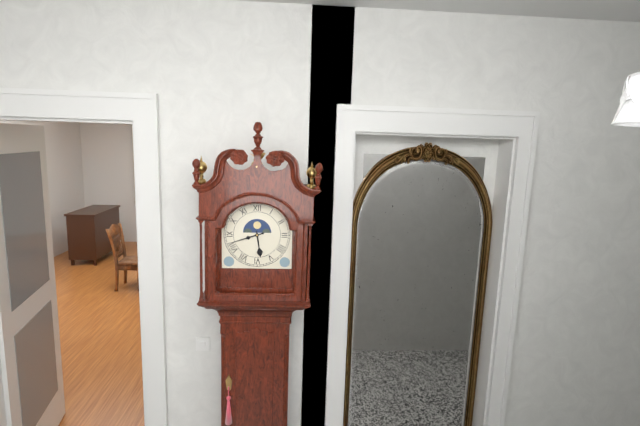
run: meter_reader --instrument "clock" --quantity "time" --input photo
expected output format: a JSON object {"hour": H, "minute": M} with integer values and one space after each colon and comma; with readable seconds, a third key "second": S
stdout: {"hour": 5, "minute": 42}
